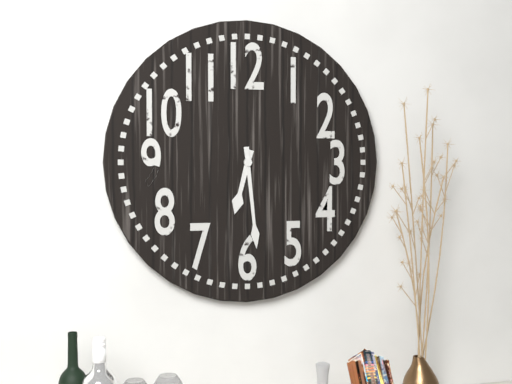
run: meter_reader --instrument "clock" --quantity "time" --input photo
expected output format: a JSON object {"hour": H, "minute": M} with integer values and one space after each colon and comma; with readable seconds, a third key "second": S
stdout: {"hour": 6, "minute": 29}
